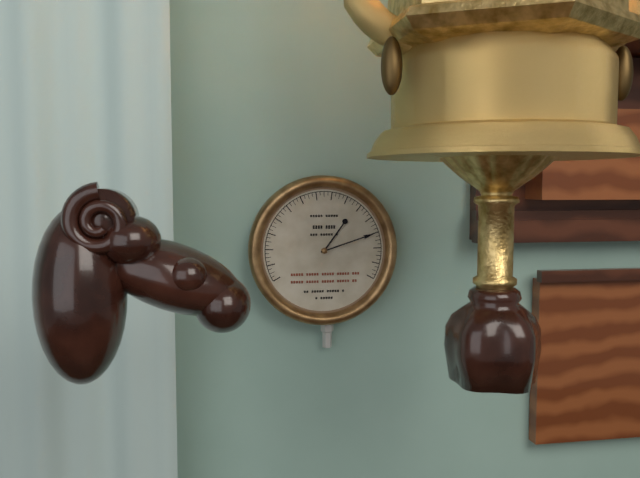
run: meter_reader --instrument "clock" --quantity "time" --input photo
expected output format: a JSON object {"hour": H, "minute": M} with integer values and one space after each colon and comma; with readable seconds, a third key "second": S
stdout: {"hour": 1, "minute": 12}
